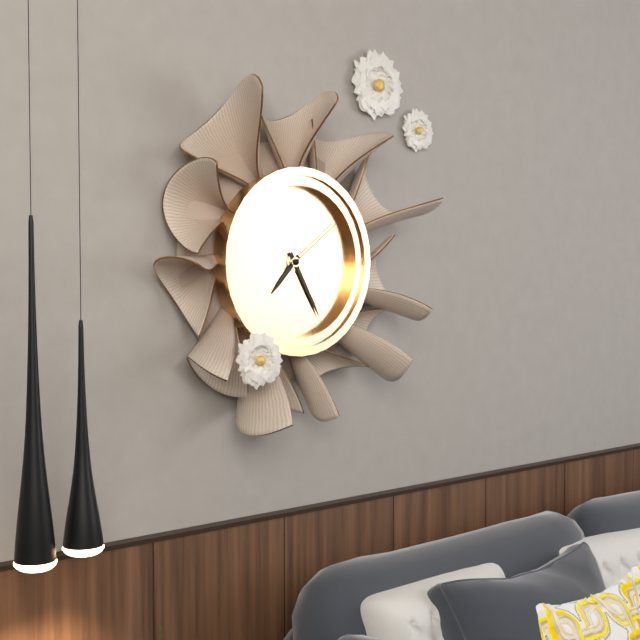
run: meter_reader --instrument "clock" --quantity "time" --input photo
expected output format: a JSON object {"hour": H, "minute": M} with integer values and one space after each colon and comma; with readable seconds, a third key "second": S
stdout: {"hour": 7, "minute": 25, "second": 9}
